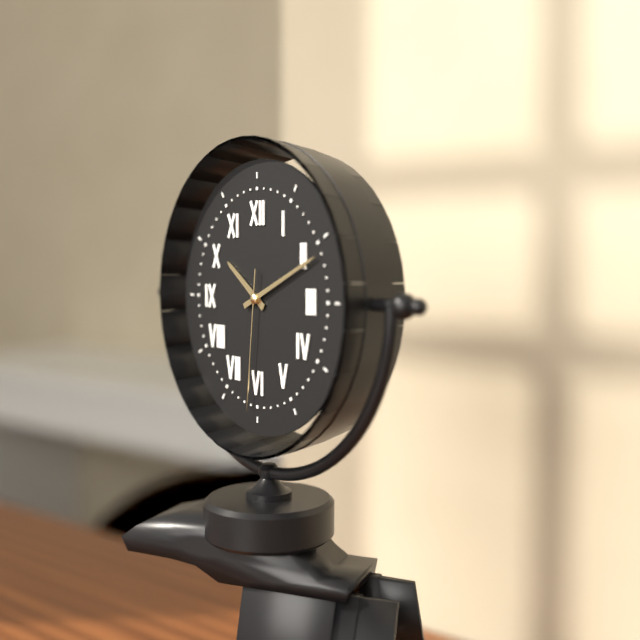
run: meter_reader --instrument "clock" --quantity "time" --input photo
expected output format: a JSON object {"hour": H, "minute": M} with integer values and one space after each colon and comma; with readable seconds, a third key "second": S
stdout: {"hour": 10, "minute": 11, "second": 31}
